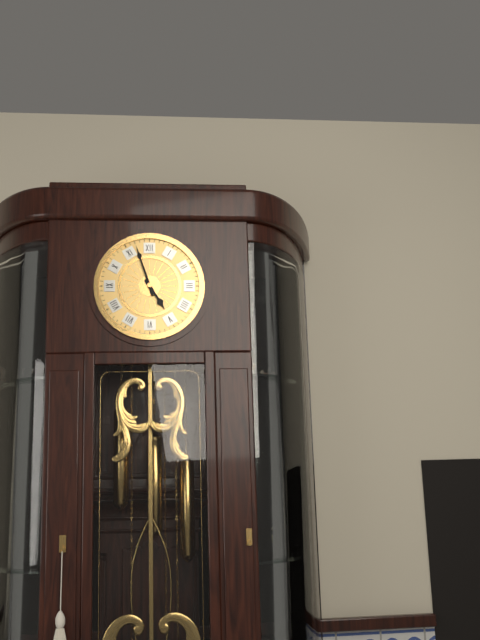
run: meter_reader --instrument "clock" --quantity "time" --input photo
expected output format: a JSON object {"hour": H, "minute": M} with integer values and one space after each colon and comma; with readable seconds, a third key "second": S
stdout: {"hour": 4, "minute": 57}
